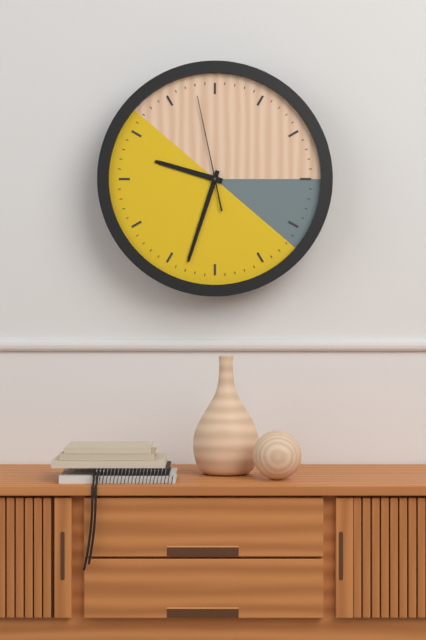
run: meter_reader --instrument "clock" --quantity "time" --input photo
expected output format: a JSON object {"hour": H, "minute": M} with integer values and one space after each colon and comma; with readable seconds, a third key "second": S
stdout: {"hour": 9, "minute": 33, "second": 58}
